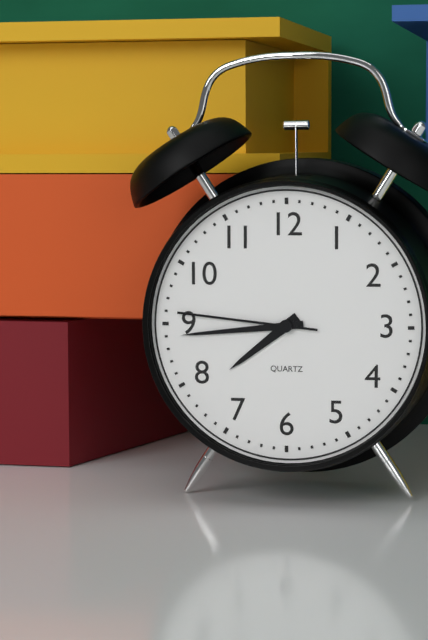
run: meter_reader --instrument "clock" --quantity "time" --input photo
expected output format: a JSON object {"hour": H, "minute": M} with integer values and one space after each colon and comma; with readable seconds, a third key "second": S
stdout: {"hour": 7, "minute": 44, "second": 46}
